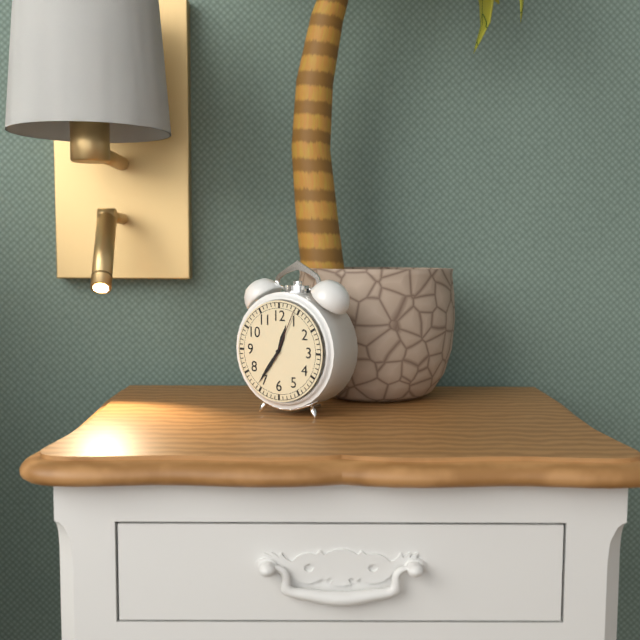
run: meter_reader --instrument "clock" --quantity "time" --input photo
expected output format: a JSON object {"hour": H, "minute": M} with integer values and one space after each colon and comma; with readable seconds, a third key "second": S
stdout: {"hour": 12, "minute": 36, "second": 4}
